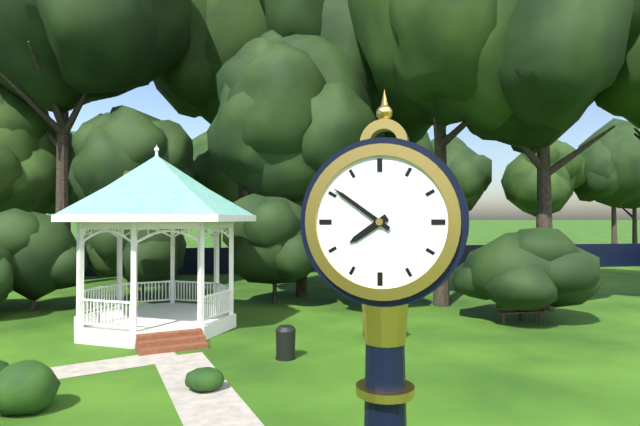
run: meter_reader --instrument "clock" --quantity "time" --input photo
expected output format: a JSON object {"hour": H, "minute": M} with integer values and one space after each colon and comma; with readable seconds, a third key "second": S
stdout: {"hour": 7, "minute": 51}
